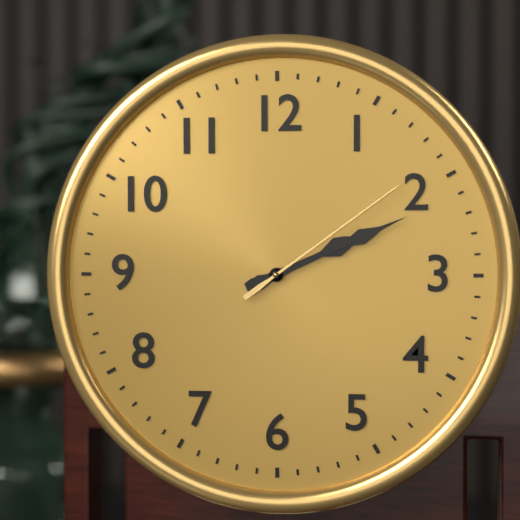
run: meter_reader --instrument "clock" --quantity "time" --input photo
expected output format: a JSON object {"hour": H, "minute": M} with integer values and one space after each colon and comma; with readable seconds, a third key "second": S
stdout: {"hour": 2, "minute": 11, "second": 9}
